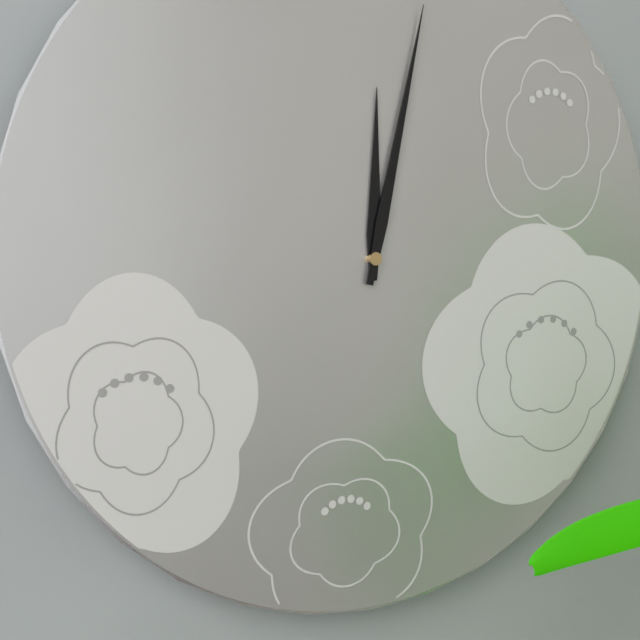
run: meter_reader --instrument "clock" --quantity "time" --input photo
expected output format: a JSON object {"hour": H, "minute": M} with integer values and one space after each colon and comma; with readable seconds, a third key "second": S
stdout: {"hour": 12, "minute": 2}
